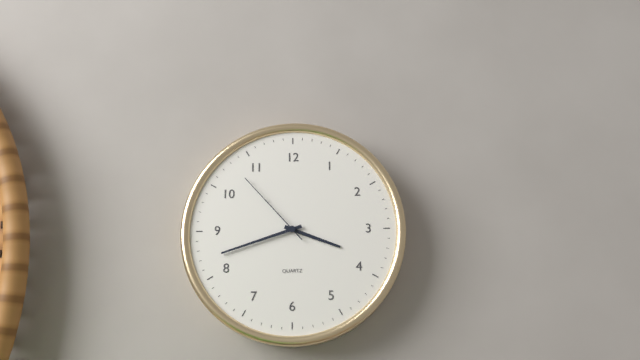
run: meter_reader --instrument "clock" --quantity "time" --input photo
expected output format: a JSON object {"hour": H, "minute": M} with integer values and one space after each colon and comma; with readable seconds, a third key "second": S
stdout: {"hour": 3, "minute": 42, "second": 53}
